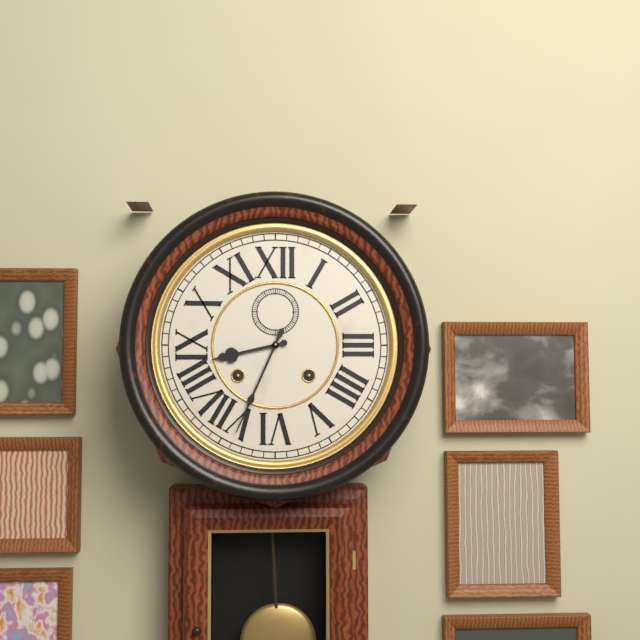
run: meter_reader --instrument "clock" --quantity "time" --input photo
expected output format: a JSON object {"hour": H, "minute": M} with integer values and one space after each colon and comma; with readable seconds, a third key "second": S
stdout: {"hour": 8, "minute": 34}
